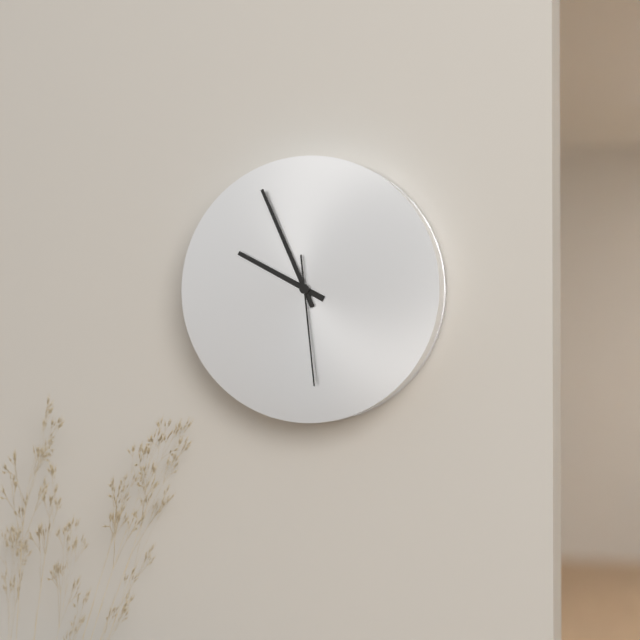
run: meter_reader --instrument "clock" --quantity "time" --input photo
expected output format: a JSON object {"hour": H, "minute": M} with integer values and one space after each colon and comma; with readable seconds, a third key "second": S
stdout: {"hour": 9, "minute": 56, "second": 29}
